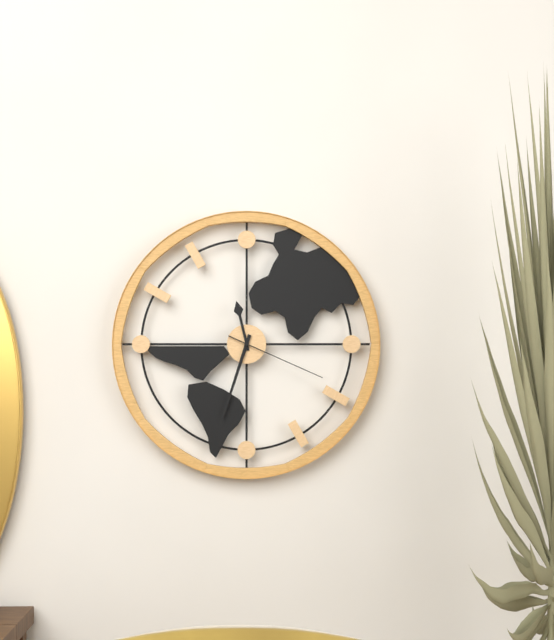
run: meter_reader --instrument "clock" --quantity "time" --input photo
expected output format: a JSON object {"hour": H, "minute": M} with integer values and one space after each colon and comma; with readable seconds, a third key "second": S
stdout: {"hour": 11, "minute": 33, "second": 19}
